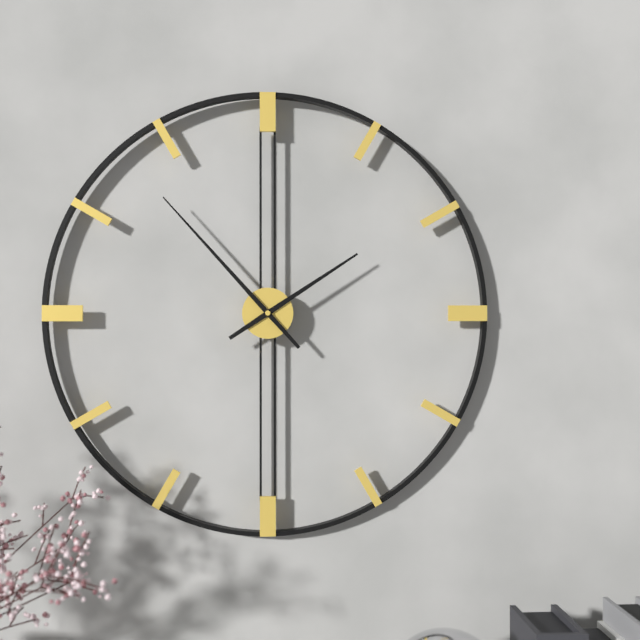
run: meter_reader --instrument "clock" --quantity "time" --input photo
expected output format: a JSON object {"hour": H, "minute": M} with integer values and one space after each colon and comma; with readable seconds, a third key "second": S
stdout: {"hour": 1, "minute": 53}
